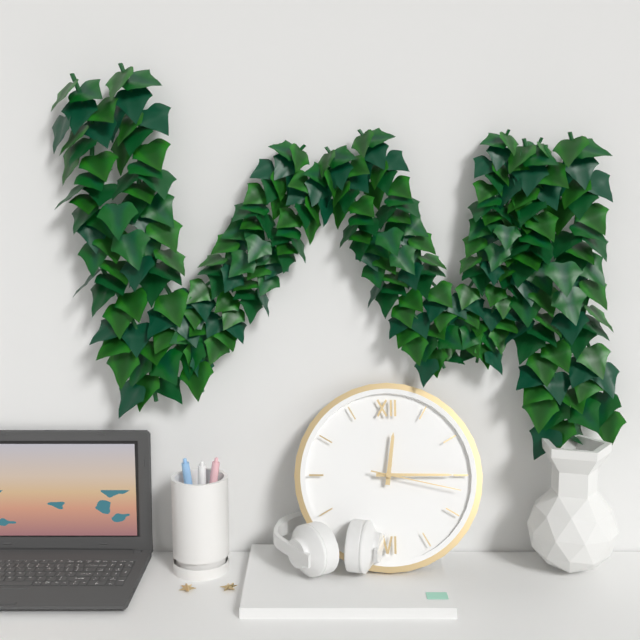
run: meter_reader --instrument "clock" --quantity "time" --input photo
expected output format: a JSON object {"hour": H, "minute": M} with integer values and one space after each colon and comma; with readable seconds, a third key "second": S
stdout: {"hour": 12, "minute": 15, "second": 17}
